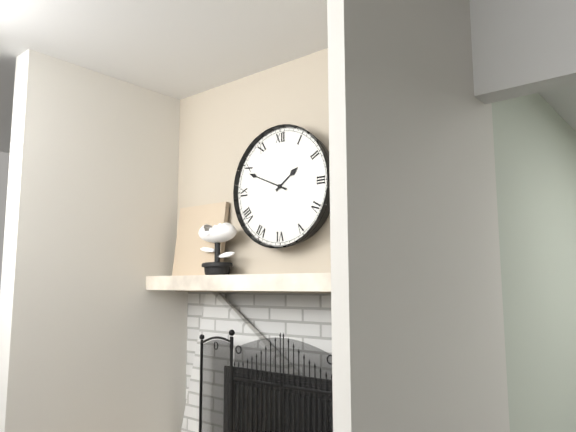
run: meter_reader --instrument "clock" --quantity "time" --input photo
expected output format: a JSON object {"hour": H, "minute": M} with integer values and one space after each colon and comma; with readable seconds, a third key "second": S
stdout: {"hour": 1, "minute": 49}
